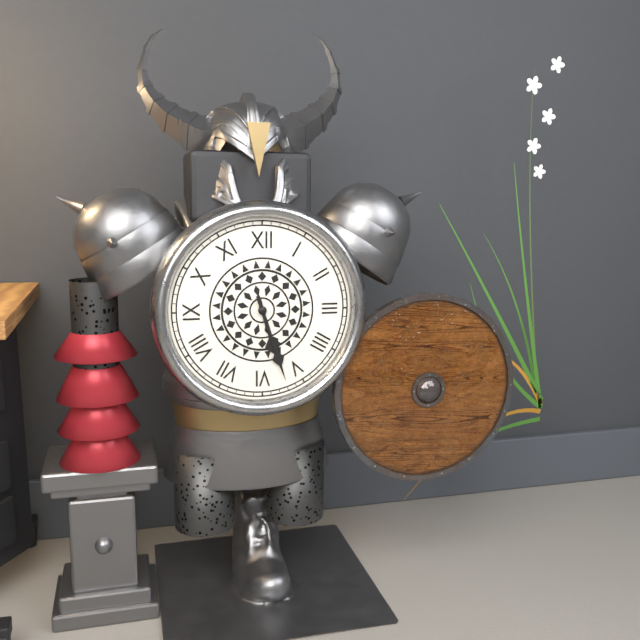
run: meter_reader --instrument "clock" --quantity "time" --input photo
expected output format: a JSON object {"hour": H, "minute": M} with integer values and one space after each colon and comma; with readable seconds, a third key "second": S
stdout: {"hour": 5, "minute": 27}
